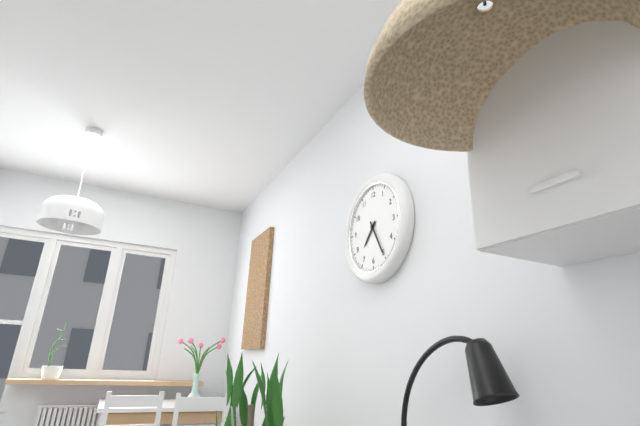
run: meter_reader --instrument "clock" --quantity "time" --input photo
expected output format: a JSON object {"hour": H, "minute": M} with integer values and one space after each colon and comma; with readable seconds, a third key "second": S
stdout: {"hour": 7, "minute": 25}
